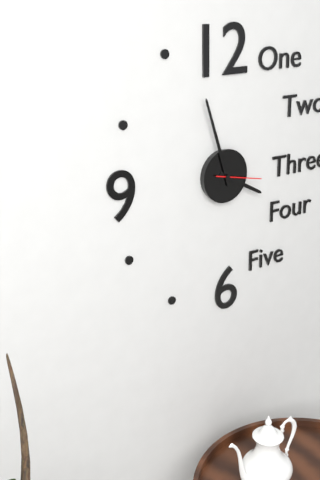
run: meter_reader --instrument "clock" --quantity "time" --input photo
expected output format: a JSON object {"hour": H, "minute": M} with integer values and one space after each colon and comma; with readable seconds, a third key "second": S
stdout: {"hour": 3, "minute": 57}
